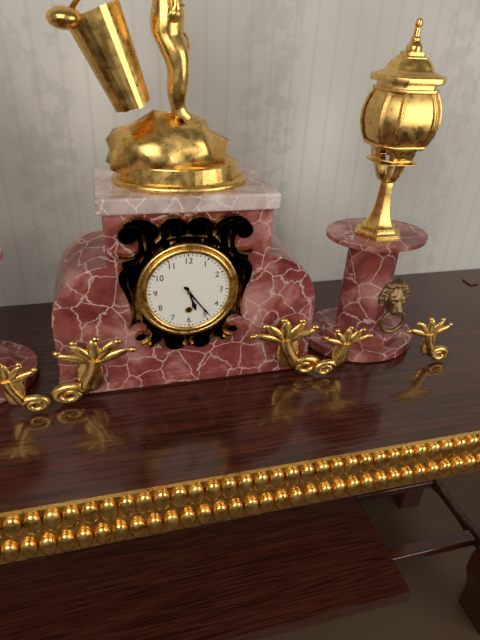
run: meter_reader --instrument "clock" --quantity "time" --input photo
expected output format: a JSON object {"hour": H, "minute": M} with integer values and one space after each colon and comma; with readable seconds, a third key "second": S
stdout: {"hour": 5, "minute": 24}
